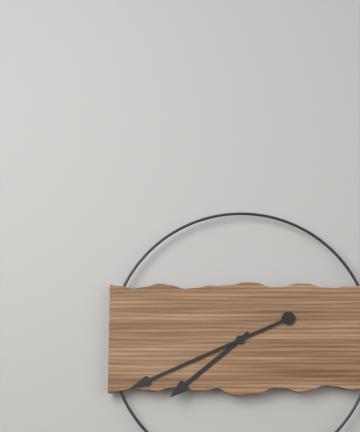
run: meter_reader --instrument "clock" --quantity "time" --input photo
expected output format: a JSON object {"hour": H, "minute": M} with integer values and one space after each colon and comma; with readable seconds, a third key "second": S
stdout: {"hour": 7, "minute": 41}
